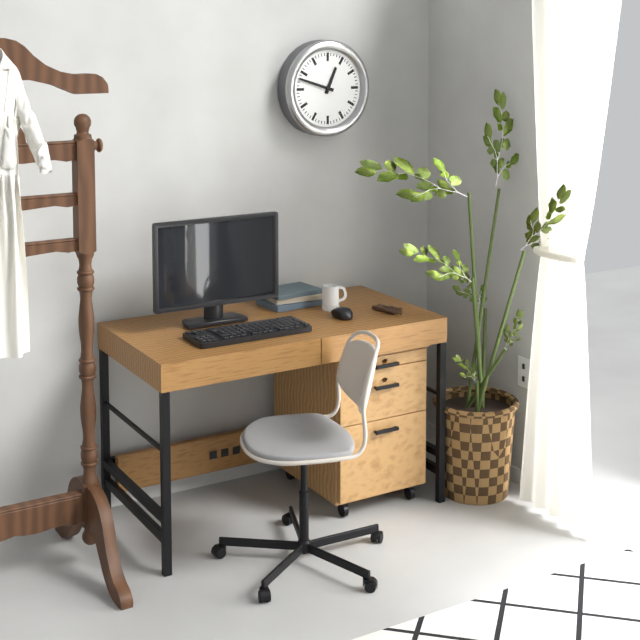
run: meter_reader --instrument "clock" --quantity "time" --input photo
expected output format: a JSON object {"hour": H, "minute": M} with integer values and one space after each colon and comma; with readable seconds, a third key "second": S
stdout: {"hour": 12, "minute": 48}
